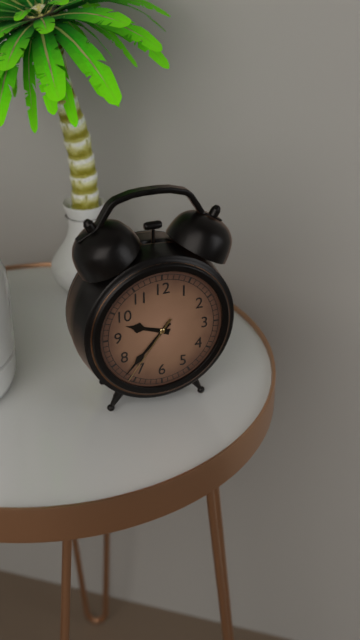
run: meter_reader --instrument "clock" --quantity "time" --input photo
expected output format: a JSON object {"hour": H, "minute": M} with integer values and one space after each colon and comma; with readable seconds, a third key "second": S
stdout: {"hour": 9, "minute": 37, "second": 36}
